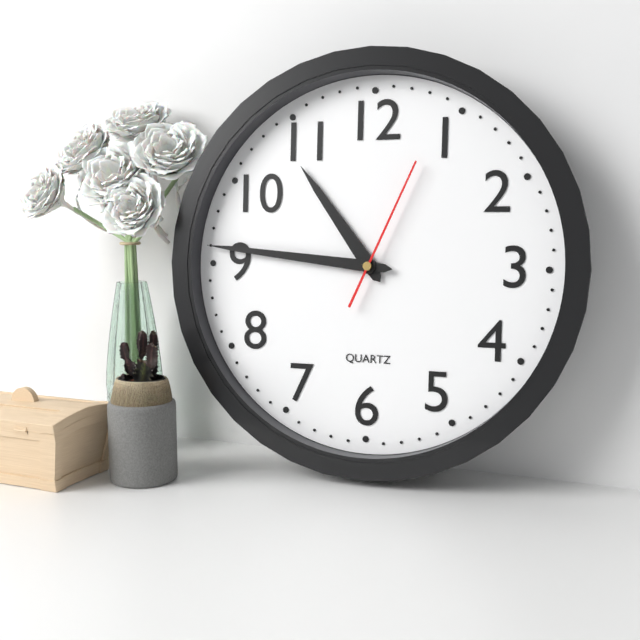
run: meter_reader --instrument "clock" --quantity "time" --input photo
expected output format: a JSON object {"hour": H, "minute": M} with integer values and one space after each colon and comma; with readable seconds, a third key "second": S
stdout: {"hour": 10, "minute": 46, "second": 4}
